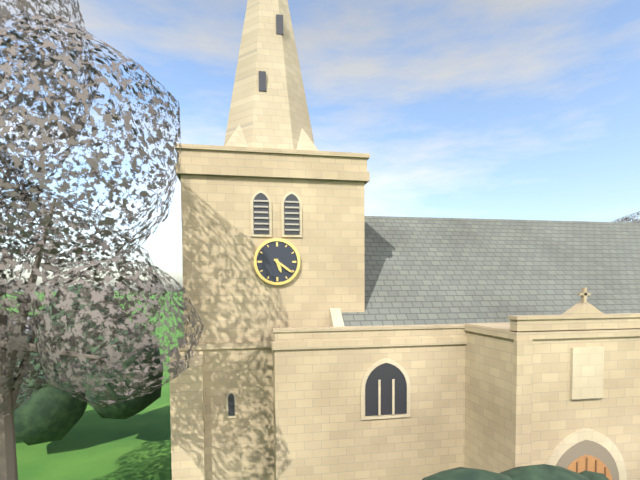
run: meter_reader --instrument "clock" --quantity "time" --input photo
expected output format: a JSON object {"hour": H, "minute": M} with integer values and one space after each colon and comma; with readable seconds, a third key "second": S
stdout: {"hour": 5, "minute": 21}
